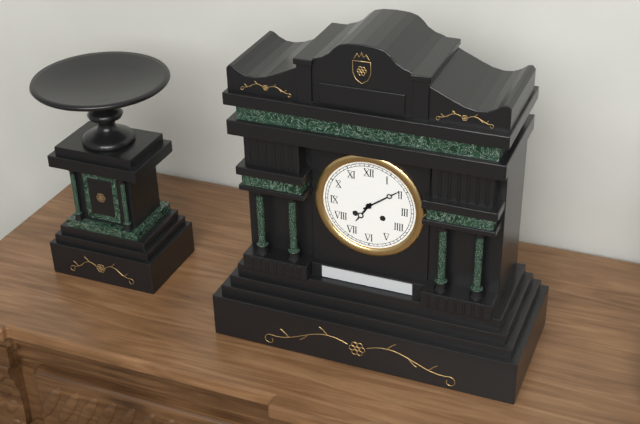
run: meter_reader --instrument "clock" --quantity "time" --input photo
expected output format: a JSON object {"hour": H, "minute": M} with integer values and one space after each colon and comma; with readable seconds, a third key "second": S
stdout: {"hour": 7, "minute": 9}
